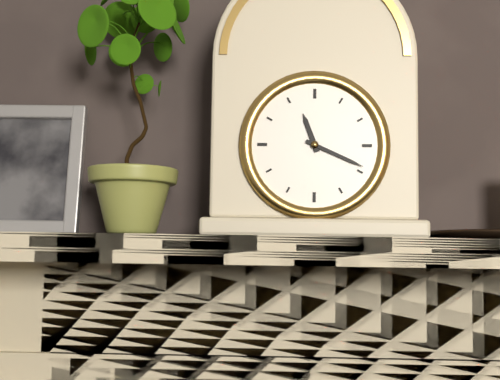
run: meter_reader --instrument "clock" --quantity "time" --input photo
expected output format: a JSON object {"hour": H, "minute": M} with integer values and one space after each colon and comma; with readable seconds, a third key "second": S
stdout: {"hour": 11, "minute": 19}
